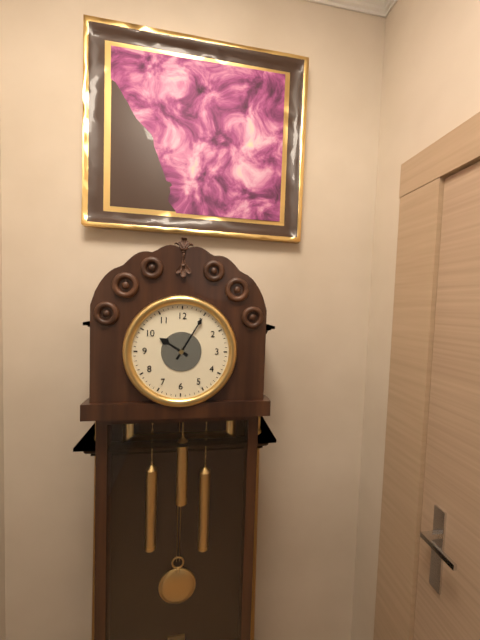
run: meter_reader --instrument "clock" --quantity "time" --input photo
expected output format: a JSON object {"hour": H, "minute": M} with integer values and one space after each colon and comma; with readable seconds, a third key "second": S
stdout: {"hour": 10, "minute": 5}
